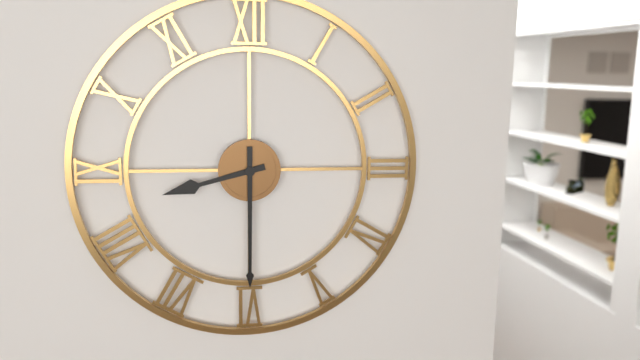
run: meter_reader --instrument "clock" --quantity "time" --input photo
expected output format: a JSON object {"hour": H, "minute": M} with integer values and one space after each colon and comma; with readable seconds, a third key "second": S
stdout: {"hour": 8, "minute": 30}
